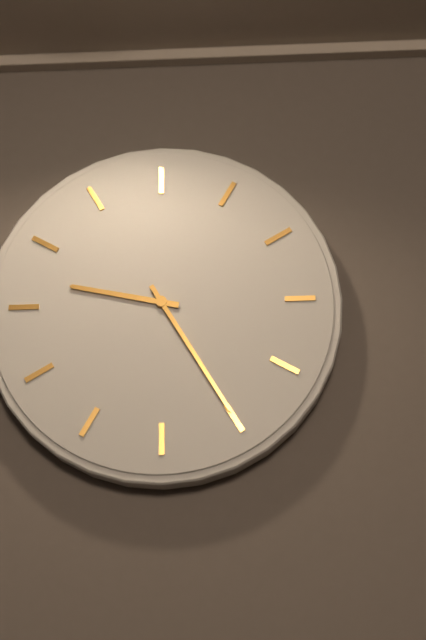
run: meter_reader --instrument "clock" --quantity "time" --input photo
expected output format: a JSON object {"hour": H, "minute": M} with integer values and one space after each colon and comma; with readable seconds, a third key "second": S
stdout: {"hour": 9, "minute": 25}
